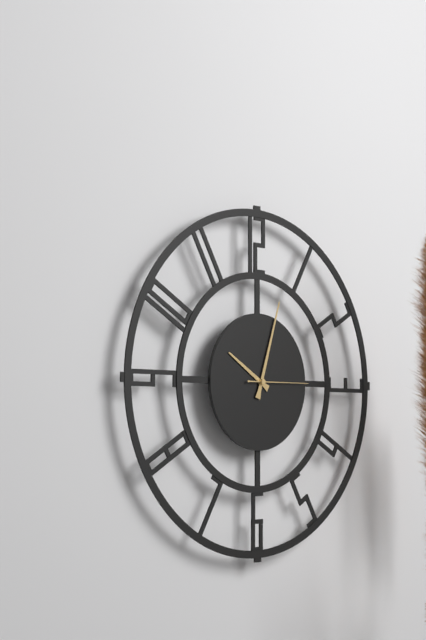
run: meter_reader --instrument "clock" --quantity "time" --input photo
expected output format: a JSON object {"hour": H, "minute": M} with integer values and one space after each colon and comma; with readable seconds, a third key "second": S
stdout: {"hour": 10, "minute": 3, "second": 15}
